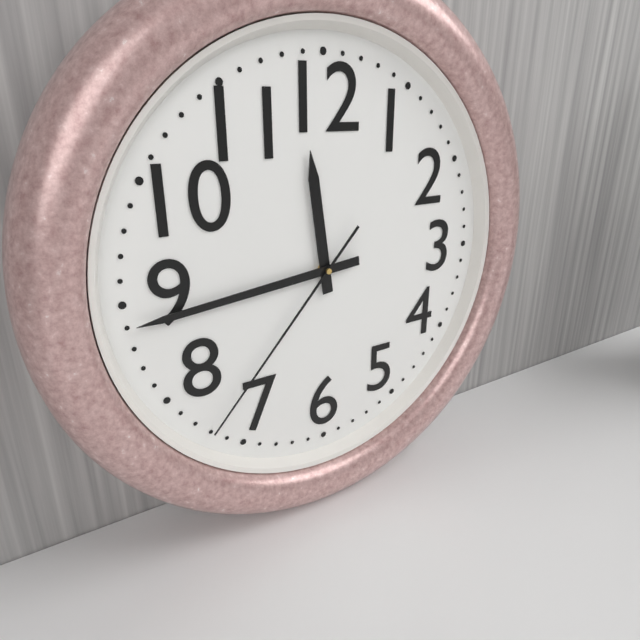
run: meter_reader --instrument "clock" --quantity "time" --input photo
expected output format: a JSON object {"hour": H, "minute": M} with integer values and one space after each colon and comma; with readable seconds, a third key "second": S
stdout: {"hour": 11, "minute": 44, "second": 37}
